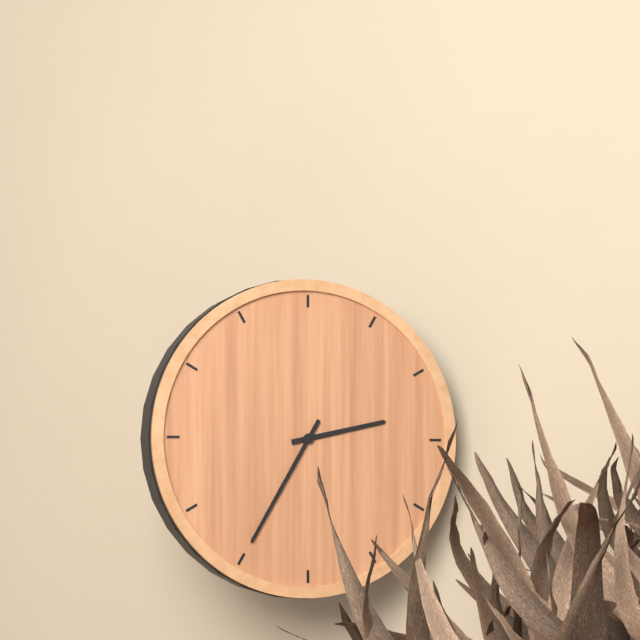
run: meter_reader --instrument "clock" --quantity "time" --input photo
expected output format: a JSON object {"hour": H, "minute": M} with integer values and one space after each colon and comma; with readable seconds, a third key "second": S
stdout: {"hour": 2, "minute": 35}
